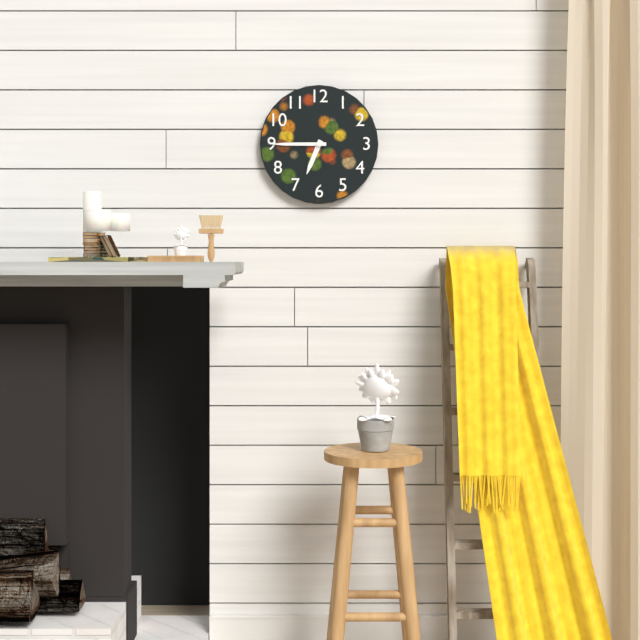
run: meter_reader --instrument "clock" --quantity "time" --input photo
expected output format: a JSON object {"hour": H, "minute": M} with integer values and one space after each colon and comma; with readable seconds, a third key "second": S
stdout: {"hour": 6, "minute": 45}
